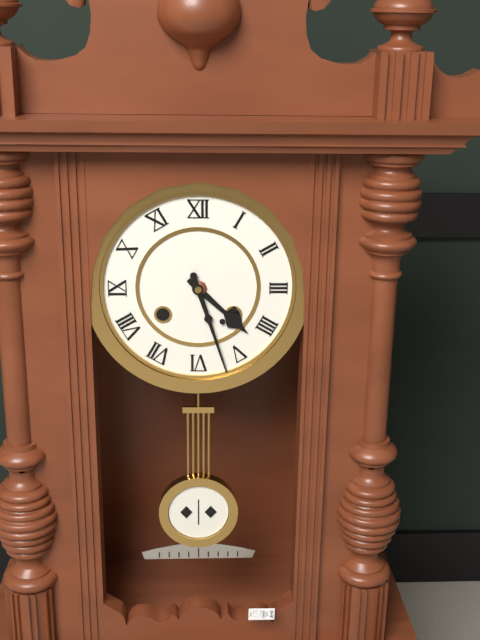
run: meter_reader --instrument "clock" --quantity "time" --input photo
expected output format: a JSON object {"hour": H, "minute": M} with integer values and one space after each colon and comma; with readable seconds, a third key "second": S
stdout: {"hour": 4, "minute": 27}
